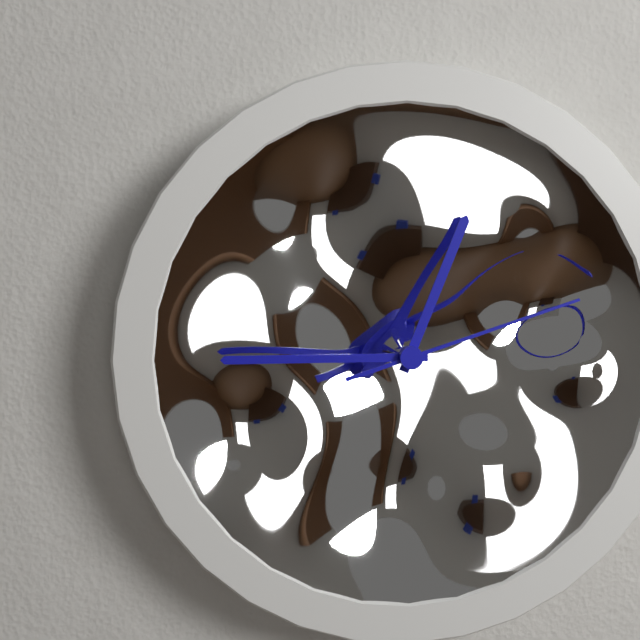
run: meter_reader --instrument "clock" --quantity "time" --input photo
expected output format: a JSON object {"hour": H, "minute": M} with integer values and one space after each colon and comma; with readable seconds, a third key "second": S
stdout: {"hour": 12, "minute": 45, "second": 12}
